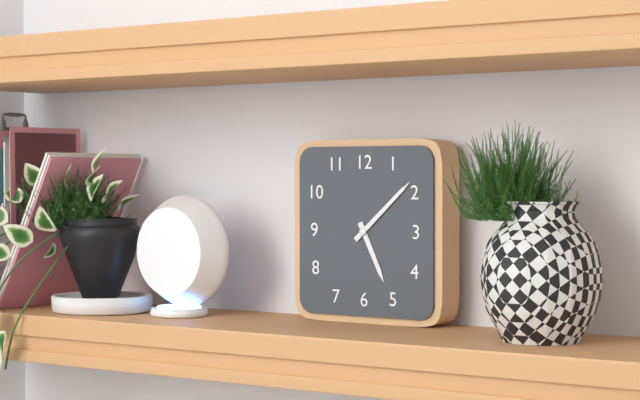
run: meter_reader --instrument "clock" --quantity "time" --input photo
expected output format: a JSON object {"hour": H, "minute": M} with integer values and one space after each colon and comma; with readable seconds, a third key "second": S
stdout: {"hour": 5, "minute": 8}
